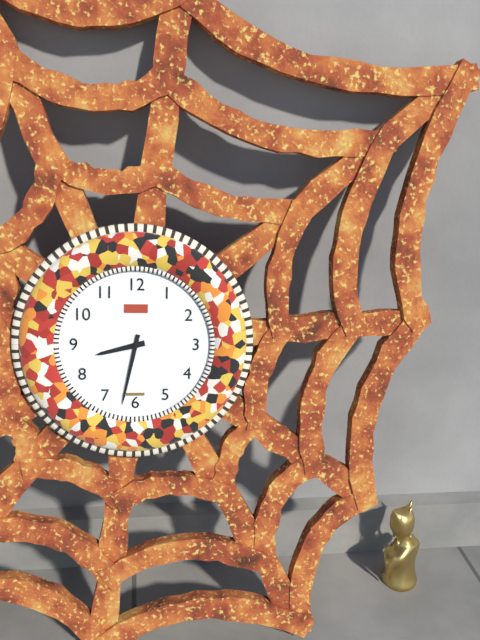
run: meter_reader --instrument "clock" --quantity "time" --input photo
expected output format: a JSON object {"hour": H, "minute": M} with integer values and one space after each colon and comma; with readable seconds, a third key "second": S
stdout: {"hour": 8, "minute": 32}
